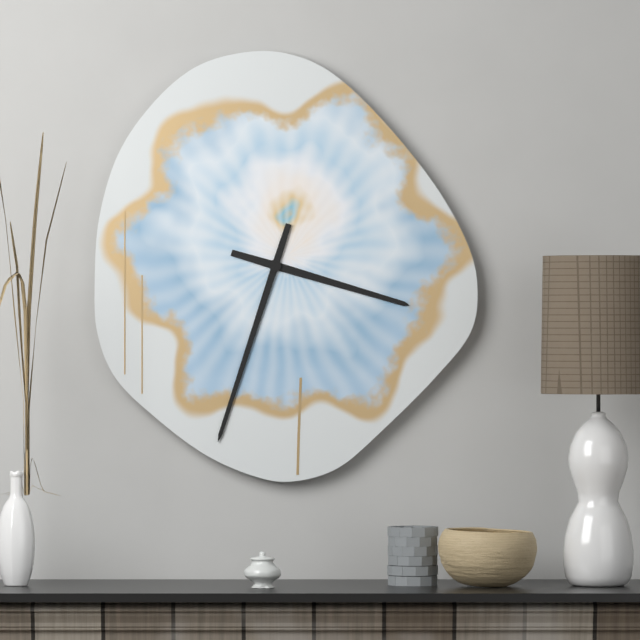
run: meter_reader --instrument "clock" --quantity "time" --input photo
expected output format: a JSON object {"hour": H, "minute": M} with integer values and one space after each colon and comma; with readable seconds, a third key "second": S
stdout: {"hour": 3, "minute": 33}
